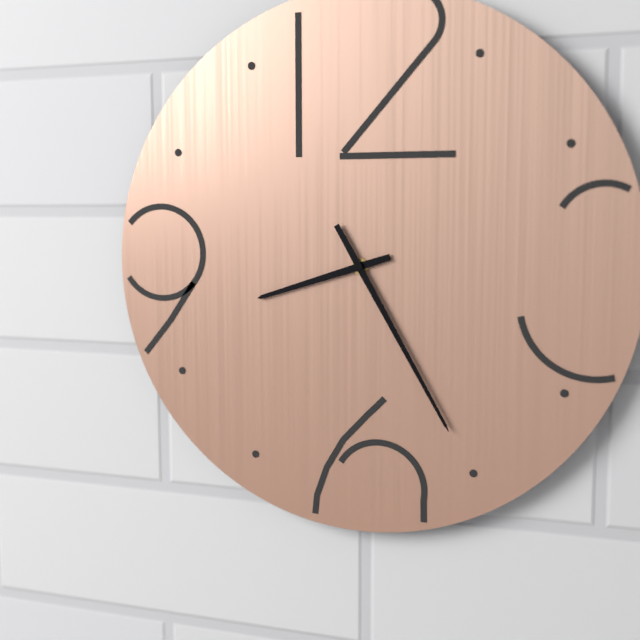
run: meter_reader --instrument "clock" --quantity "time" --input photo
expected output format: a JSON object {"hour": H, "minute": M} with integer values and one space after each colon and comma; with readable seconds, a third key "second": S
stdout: {"hour": 8, "minute": 25}
